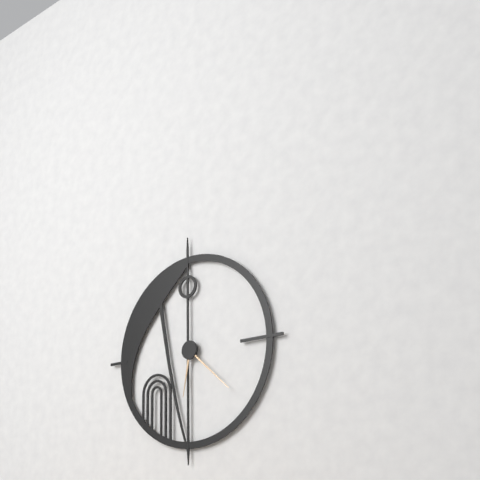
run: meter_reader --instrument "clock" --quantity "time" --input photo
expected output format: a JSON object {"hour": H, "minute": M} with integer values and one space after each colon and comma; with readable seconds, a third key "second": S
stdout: {"hour": 6, "minute": 22}
